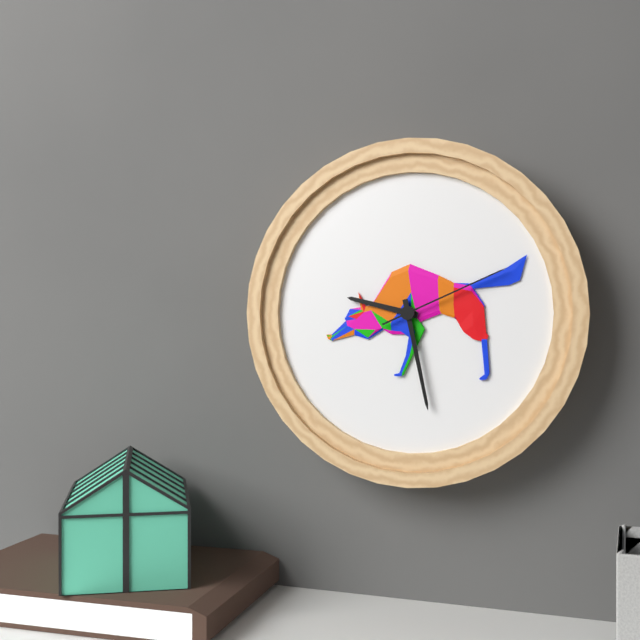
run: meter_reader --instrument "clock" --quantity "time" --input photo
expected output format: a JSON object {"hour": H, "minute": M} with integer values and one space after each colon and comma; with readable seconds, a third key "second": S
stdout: {"hour": 9, "minute": 28, "second": 11}
